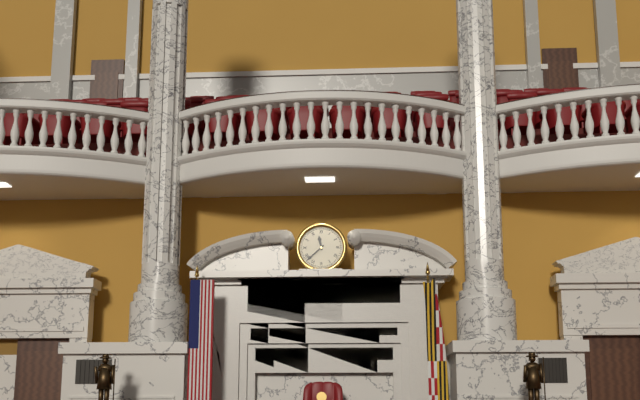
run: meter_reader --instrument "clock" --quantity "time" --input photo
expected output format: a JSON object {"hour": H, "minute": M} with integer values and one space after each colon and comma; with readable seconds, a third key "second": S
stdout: {"hour": 11, "minute": 38}
